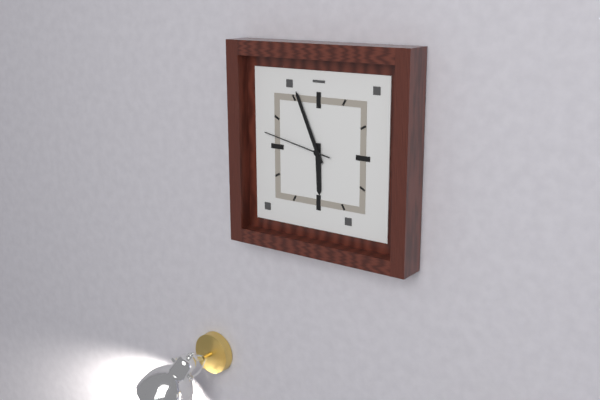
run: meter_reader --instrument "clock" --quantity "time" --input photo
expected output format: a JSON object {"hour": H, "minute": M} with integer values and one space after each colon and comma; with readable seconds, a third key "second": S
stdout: {"hour": 5, "minute": 56, "second": 47}
